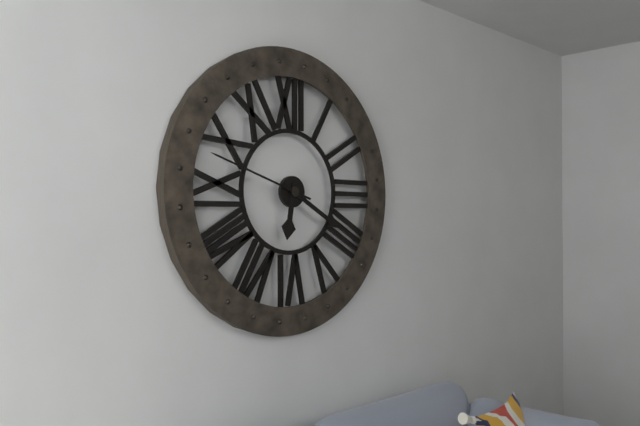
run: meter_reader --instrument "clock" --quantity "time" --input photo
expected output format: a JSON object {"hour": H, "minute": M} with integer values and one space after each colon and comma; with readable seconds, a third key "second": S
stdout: {"hour": 6, "minute": 20, "second": 48}
